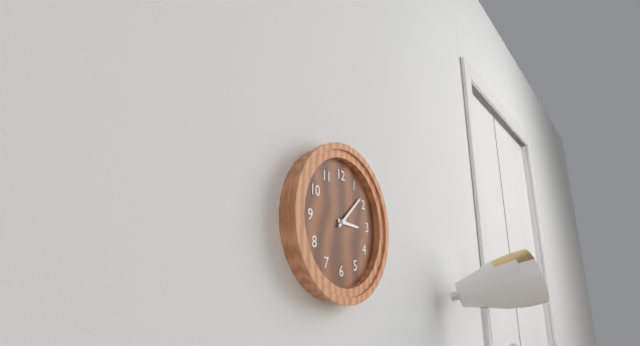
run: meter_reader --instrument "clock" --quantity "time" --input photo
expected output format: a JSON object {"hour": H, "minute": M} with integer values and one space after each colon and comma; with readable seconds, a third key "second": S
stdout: {"hour": 3, "minute": 8}
